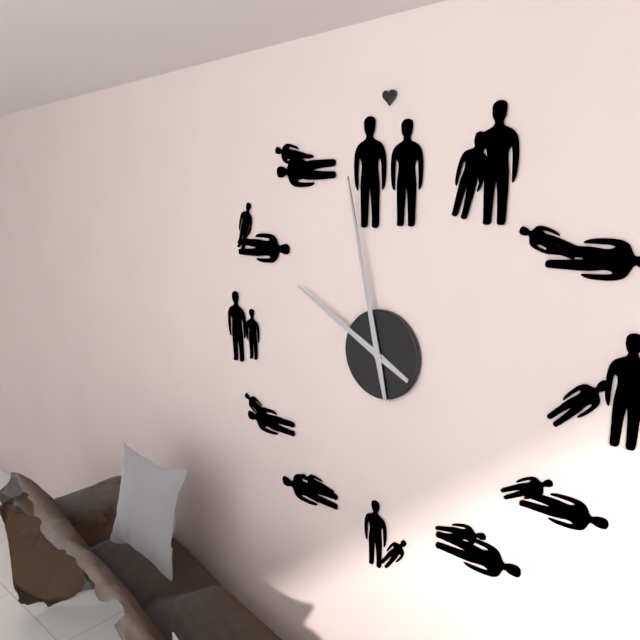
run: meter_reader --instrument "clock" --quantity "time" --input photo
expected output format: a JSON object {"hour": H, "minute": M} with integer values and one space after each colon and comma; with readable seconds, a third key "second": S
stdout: {"hour": 9, "minute": 58}
